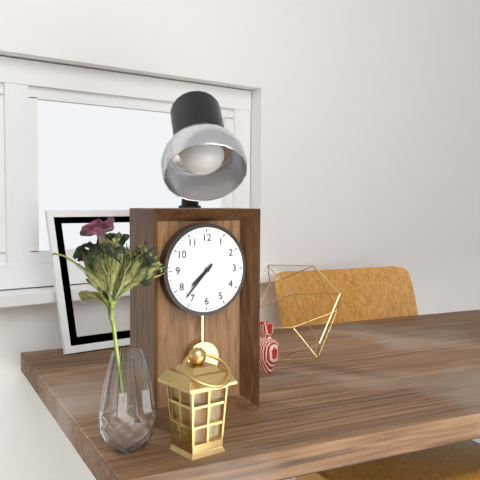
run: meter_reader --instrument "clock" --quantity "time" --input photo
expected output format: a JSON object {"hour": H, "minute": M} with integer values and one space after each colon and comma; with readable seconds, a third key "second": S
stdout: {"hour": 7, "minute": 37}
